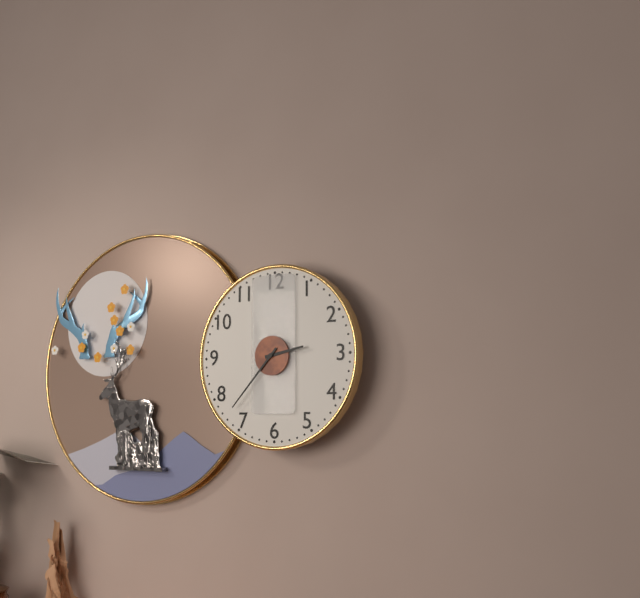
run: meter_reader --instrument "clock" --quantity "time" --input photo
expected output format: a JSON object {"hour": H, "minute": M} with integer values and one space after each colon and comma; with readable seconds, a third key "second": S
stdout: {"hour": 2, "minute": 37}
